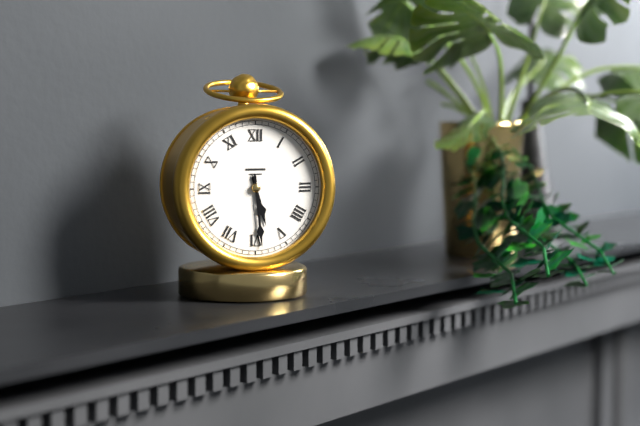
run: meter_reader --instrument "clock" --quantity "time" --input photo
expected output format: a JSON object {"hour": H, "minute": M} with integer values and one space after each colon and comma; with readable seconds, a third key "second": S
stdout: {"hour": 5, "minute": 29}
